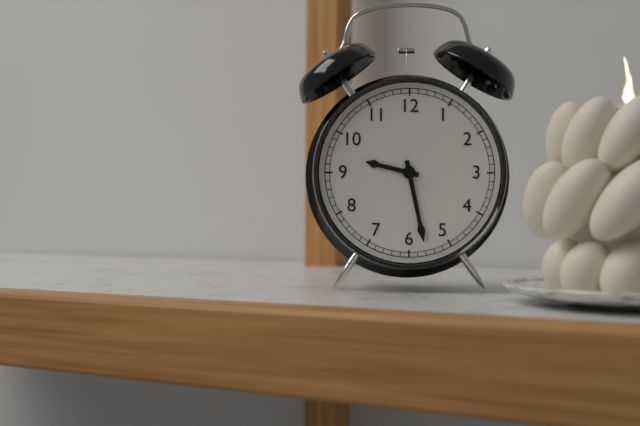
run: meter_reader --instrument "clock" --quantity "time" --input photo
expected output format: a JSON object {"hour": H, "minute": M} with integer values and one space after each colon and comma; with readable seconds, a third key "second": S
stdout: {"hour": 9, "minute": 28}
